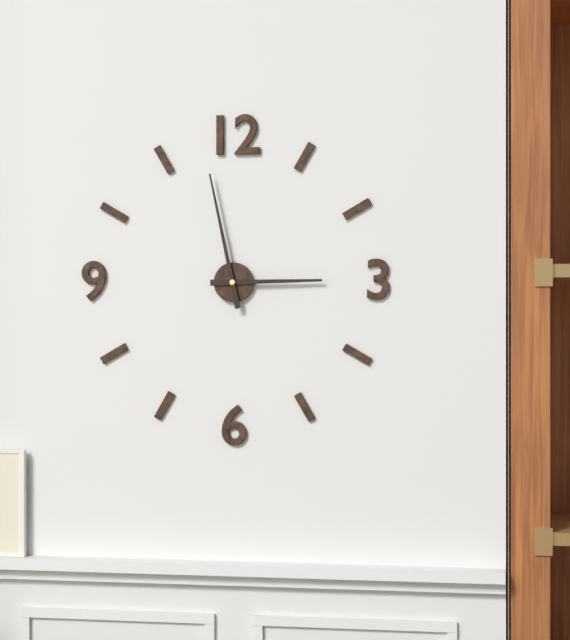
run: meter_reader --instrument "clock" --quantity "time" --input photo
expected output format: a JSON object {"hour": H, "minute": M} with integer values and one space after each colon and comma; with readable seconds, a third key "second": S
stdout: {"hour": 2, "minute": 58}
